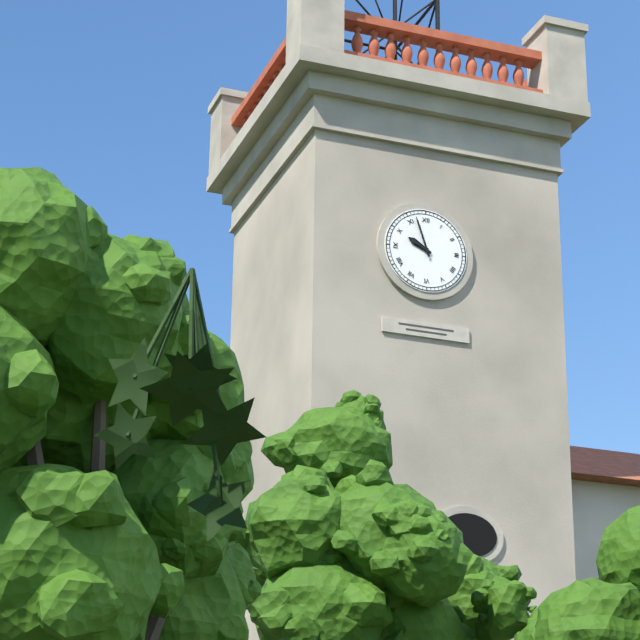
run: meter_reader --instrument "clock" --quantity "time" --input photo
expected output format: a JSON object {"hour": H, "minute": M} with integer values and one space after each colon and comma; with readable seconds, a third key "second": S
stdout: {"hour": 9, "minute": 57}
